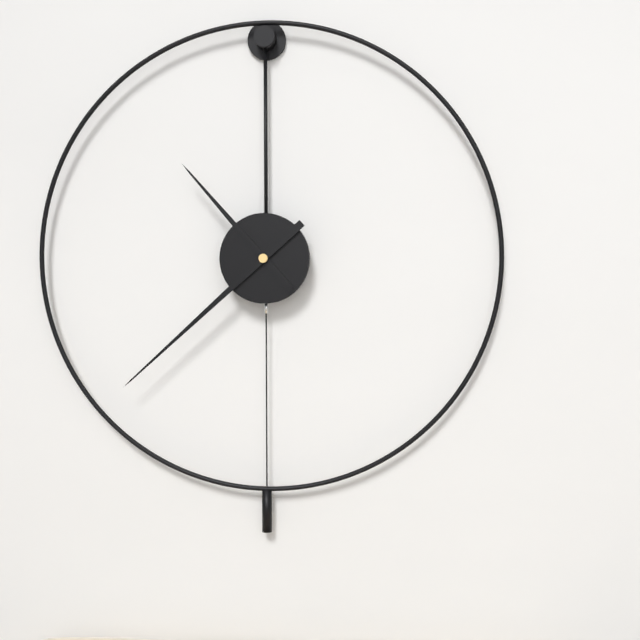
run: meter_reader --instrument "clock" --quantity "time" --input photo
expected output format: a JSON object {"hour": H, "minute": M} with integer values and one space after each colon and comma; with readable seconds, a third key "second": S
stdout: {"hour": 10, "minute": 38}
